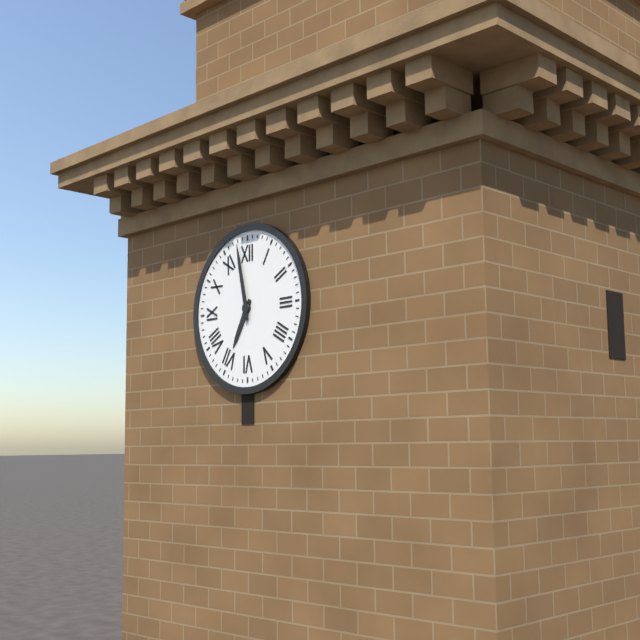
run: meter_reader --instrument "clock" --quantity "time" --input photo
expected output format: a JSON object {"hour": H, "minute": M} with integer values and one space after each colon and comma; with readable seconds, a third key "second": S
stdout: {"hour": 6, "minute": 58}
